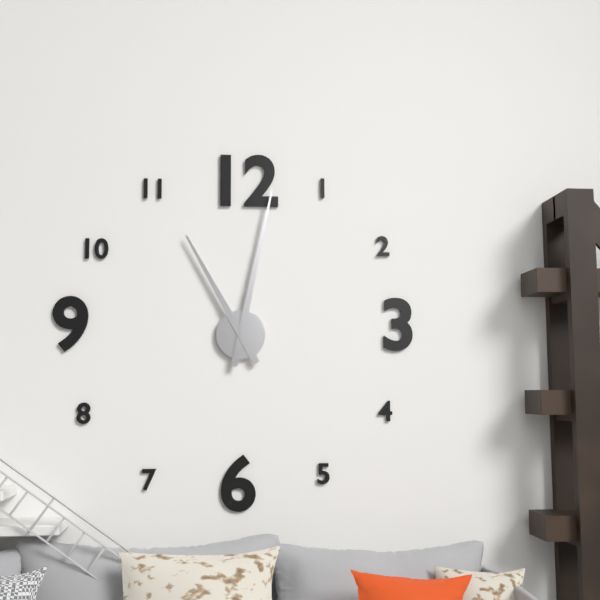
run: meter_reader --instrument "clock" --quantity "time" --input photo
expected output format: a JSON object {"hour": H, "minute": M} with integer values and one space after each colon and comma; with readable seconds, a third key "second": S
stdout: {"hour": 11, "minute": 2}
